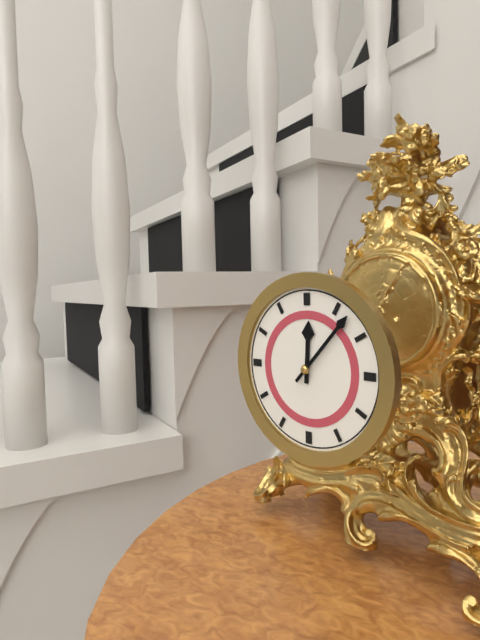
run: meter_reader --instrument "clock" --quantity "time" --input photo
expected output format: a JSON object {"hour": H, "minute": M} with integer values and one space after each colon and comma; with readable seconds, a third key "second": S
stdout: {"hour": 12, "minute": 7}
